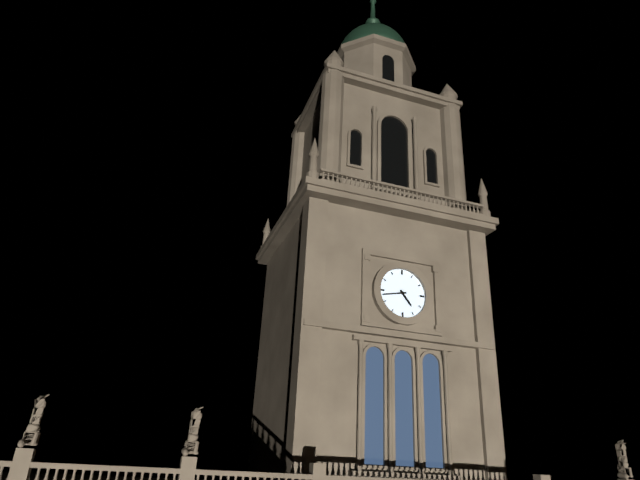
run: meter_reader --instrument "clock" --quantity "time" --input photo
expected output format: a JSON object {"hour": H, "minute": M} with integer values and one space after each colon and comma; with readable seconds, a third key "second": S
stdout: {"hour": 4, "minute": 43}
